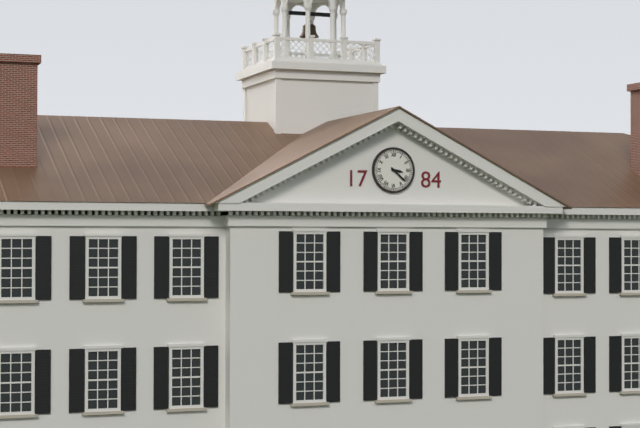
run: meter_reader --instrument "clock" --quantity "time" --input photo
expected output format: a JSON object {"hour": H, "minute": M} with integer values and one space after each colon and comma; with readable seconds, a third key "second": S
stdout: {"hour": 3, "minute": 22}
